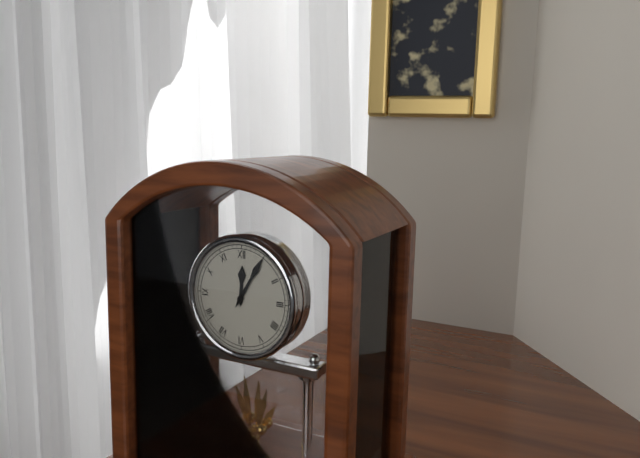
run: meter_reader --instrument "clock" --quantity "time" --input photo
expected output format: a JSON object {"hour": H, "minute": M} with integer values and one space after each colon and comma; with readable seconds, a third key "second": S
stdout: {"hour": 12, "minute": 5}
